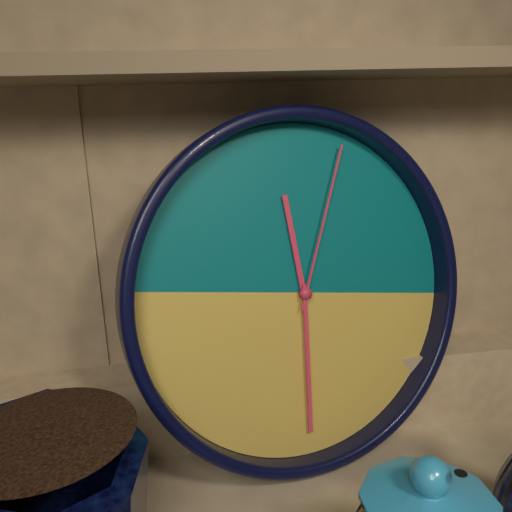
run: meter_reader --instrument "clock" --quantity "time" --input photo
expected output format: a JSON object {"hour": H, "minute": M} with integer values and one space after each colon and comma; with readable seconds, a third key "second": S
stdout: {"hour": 11, "minute": 29, "second": 2}
